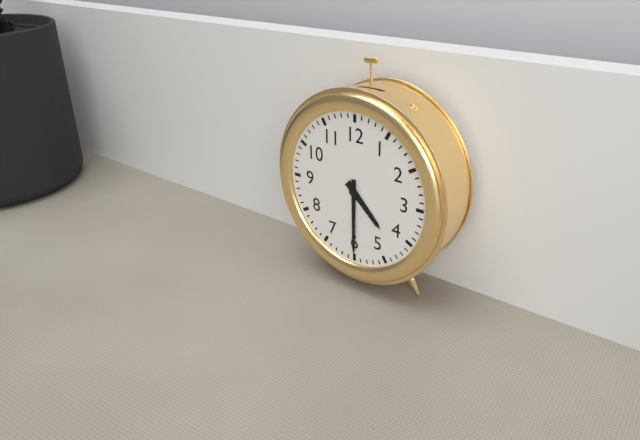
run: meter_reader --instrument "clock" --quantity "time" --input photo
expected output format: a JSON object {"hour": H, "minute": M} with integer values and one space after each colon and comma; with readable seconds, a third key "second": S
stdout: {"hour": 4, "minute": 30}
